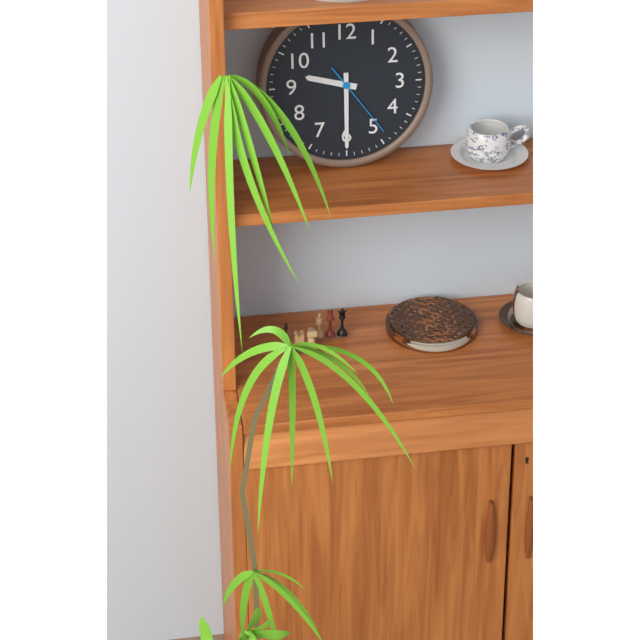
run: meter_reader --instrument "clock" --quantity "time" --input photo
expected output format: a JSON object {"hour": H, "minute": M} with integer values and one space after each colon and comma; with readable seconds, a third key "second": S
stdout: {"hour": 9, "minute": 30, "second": 24}
